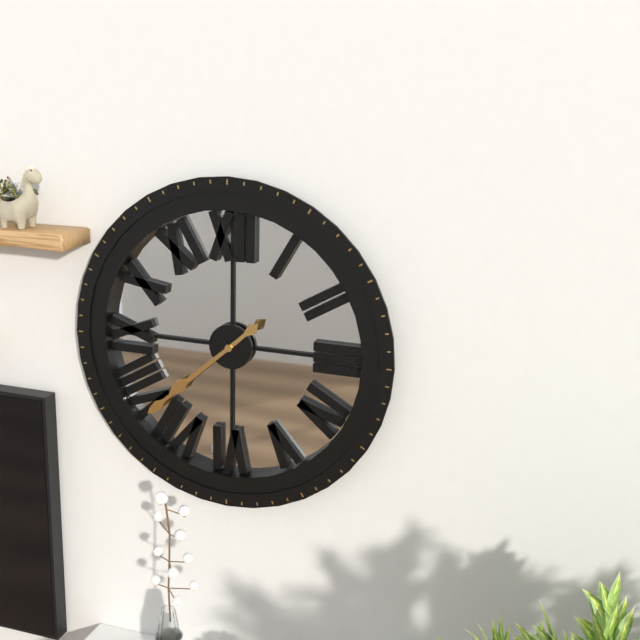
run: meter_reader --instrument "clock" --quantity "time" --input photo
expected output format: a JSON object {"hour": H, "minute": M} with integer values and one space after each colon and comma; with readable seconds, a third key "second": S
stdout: {"hour": 7, "minute": 38}
